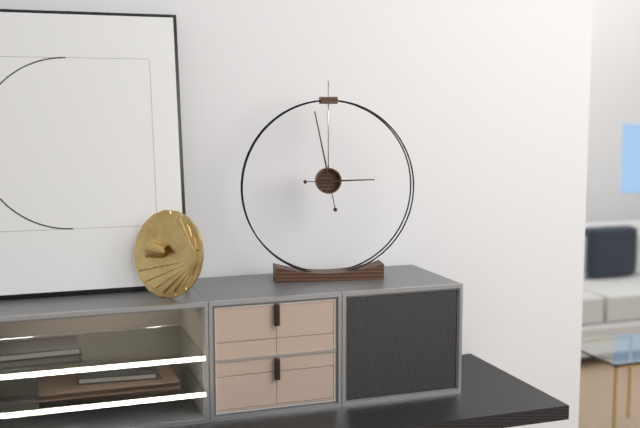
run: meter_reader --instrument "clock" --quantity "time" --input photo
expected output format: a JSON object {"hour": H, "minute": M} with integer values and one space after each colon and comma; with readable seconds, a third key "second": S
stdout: {"hour": 2, "minute": 58}
